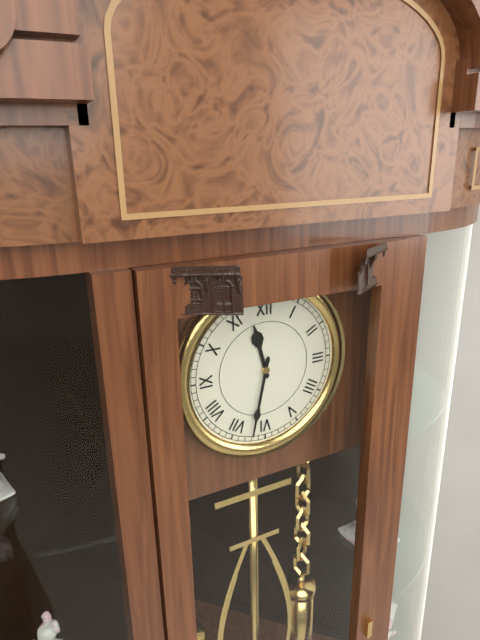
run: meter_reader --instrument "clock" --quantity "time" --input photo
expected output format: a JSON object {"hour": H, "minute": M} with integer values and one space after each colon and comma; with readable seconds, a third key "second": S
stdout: {"hour": 11, "minute": 32}
